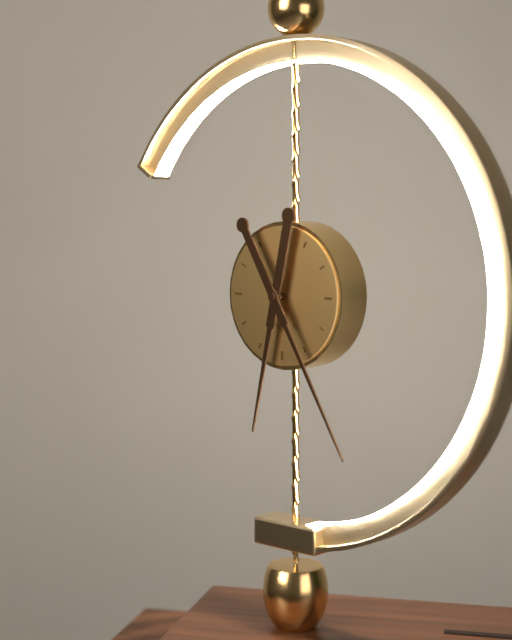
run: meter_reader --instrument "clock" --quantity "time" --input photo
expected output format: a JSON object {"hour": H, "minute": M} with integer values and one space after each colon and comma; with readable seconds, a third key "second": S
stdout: {"hour": 6, "minute": 25}
